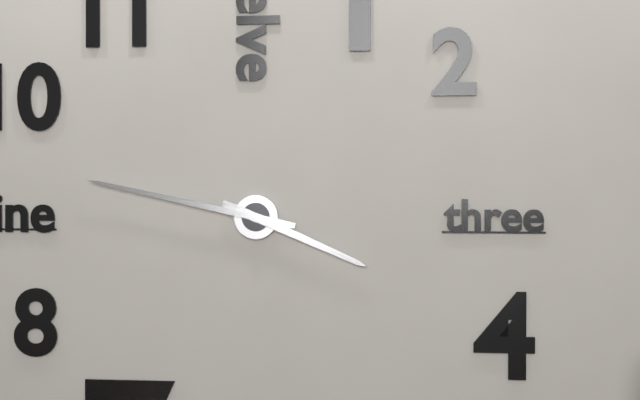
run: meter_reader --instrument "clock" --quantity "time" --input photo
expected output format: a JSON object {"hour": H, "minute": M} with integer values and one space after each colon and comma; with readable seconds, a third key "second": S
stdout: {"hour": 3, "minute": 47}
